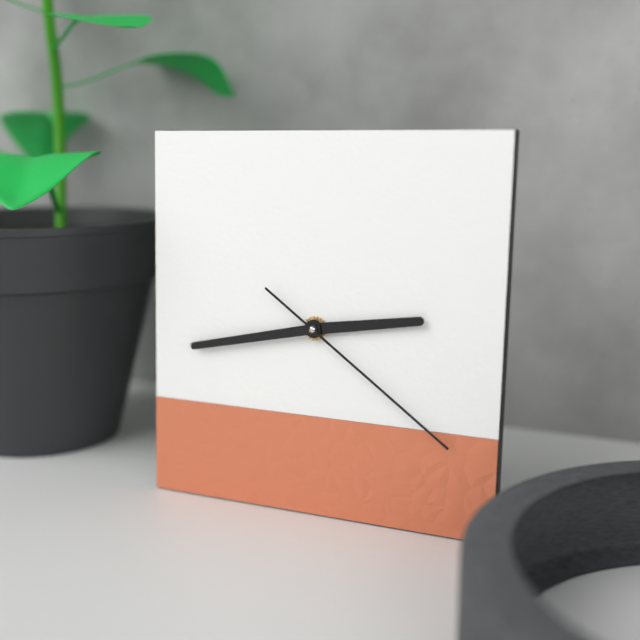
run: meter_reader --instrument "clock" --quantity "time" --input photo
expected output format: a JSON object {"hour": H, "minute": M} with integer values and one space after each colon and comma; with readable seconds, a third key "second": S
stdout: {"hour": 2, "minute": 43, "second": 21}
